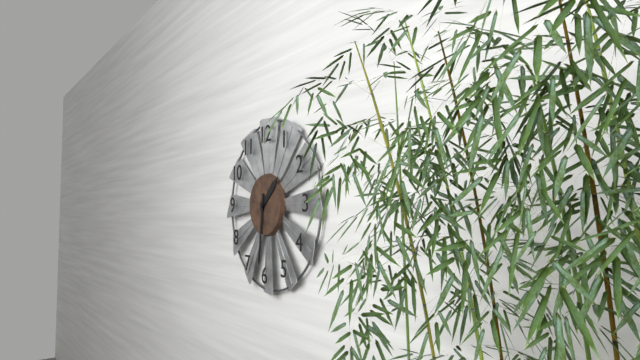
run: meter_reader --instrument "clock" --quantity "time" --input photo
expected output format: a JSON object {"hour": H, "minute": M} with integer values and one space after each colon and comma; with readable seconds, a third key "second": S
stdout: {"hour": 1, "minute": 31}
